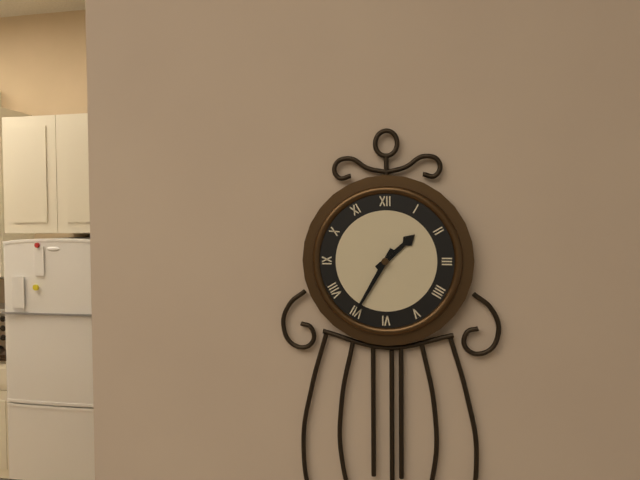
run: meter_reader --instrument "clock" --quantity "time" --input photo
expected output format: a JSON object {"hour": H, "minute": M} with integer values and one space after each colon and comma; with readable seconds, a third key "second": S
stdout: {"hour": 1, "minute": 35}
